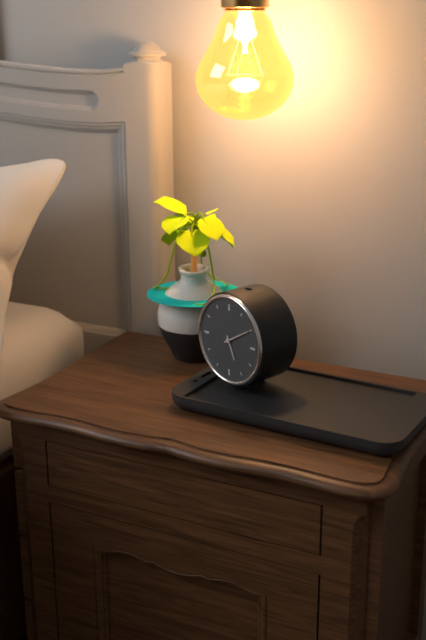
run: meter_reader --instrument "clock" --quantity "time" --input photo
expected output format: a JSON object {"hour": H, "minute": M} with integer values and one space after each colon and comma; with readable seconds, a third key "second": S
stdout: {"hour": 5, "minute": 10}
